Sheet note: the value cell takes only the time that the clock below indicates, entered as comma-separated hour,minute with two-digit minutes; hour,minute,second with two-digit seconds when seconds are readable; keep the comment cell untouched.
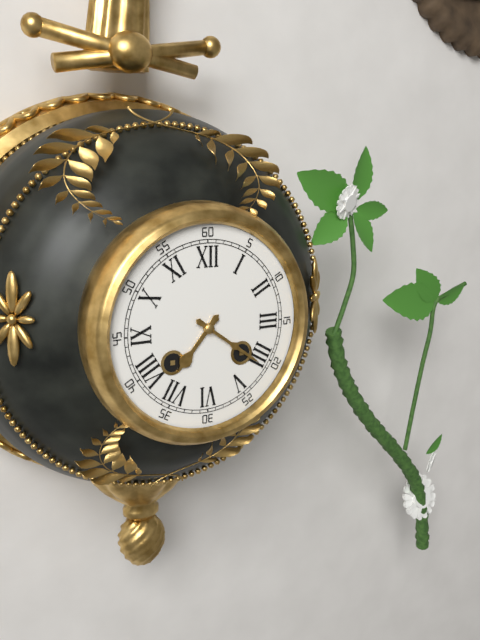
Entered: 7,21
